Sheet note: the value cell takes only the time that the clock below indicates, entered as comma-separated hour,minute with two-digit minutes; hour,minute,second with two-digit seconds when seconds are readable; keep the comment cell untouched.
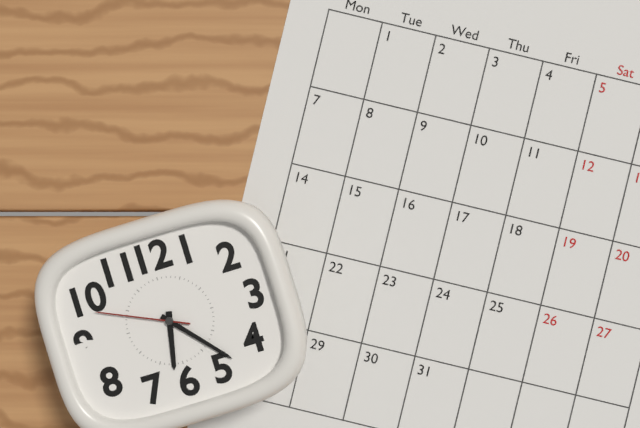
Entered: 6,23,49
